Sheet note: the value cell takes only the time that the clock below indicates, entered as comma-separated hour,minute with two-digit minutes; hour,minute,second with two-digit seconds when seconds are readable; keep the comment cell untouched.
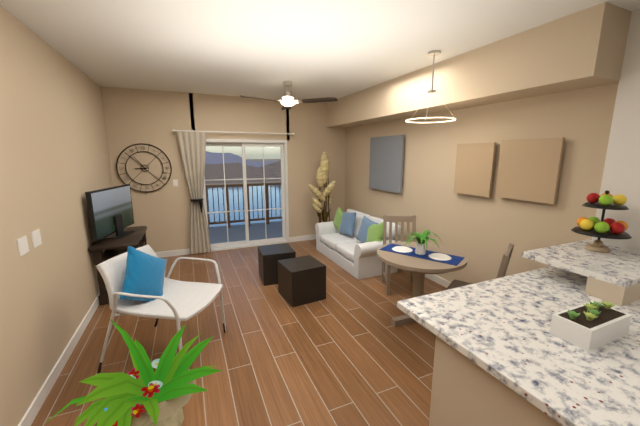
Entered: 8,54
